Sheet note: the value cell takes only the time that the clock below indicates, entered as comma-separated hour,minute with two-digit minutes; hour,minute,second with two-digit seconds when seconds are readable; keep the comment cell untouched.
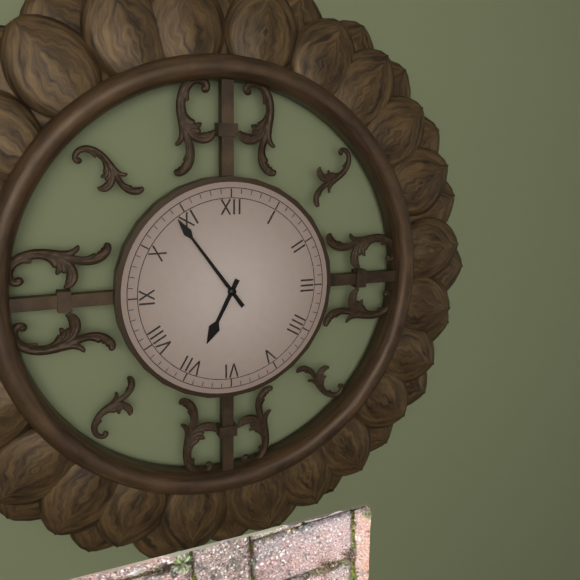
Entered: 6,54
